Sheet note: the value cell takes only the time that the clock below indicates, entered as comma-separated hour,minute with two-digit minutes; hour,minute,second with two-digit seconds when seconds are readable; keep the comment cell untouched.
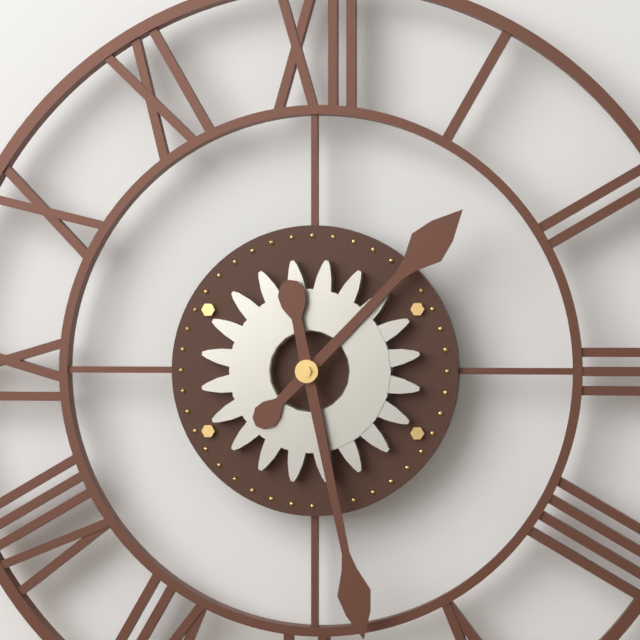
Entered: 1,28
